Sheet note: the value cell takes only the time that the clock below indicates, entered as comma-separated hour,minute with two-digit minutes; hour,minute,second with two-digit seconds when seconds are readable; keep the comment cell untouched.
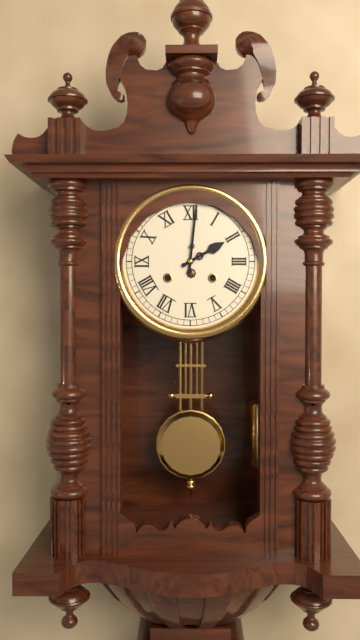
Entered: 2,01
